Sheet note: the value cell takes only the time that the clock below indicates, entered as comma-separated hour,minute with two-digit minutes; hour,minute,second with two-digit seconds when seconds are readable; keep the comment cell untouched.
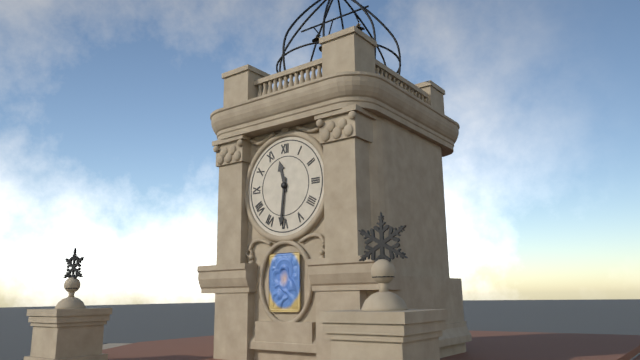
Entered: 11,31
